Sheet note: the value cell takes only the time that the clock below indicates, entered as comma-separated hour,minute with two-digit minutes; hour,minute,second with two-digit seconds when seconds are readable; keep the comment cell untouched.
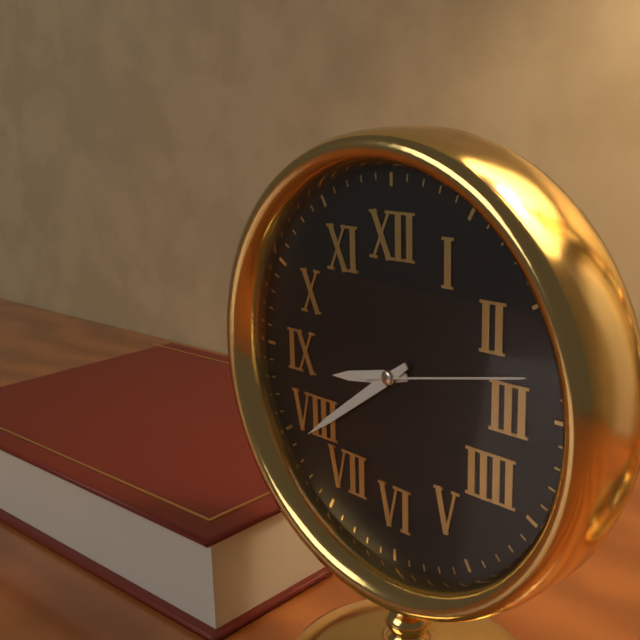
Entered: 8,39,13
